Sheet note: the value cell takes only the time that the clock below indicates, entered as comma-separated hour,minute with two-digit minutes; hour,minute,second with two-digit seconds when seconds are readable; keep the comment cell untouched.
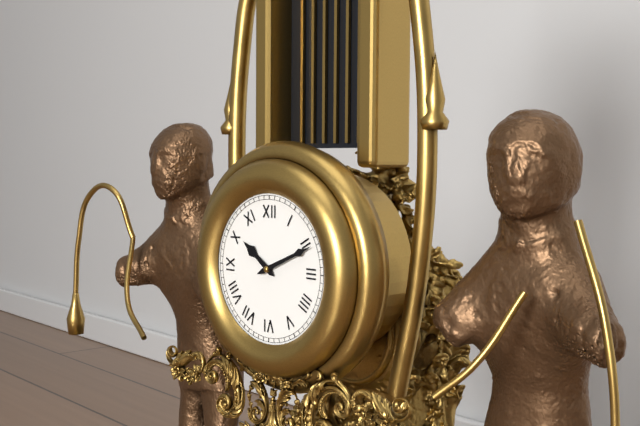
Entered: 10,11
